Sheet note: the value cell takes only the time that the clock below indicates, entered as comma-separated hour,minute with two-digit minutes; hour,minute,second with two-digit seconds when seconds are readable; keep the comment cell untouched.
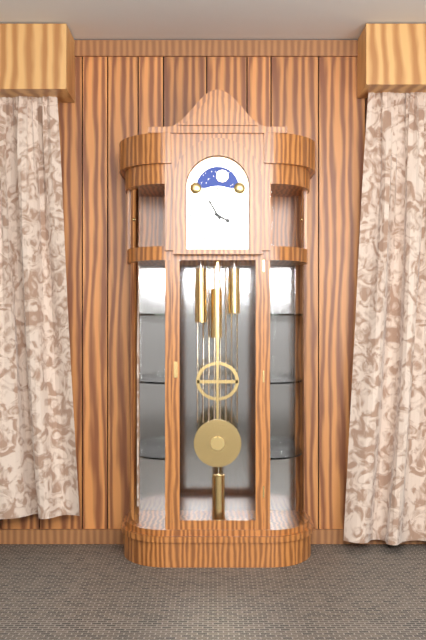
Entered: 3,55
